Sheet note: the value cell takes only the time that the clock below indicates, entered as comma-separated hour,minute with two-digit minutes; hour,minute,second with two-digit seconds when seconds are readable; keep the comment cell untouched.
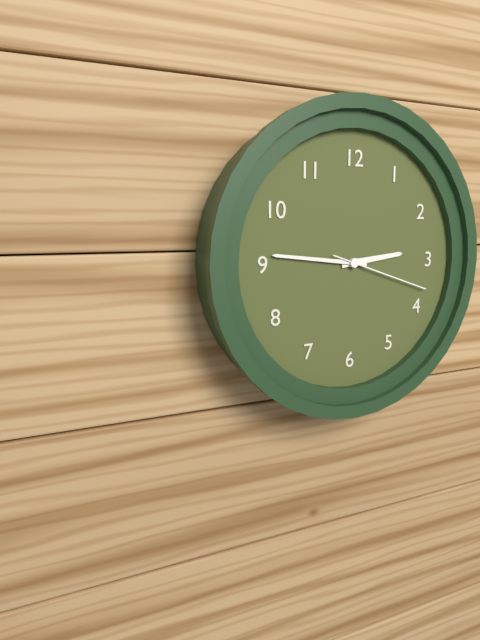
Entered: 2,46,18
